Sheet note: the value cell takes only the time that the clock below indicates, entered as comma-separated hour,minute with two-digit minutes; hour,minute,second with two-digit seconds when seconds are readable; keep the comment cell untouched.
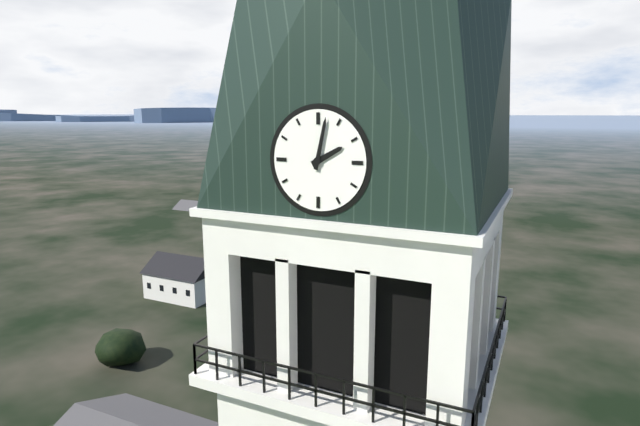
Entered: 2,02
